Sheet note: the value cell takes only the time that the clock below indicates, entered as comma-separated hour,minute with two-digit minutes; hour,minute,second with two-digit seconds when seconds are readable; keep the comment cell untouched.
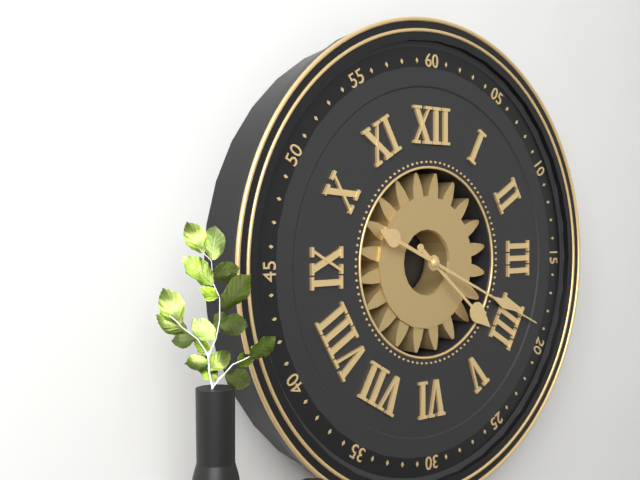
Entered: 4,19
